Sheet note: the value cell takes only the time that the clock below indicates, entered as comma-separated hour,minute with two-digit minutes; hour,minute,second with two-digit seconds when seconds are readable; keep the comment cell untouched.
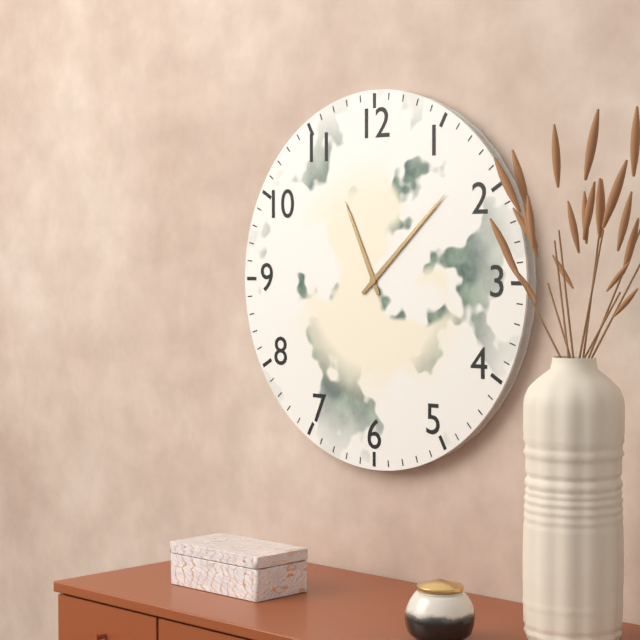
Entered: 11,08
